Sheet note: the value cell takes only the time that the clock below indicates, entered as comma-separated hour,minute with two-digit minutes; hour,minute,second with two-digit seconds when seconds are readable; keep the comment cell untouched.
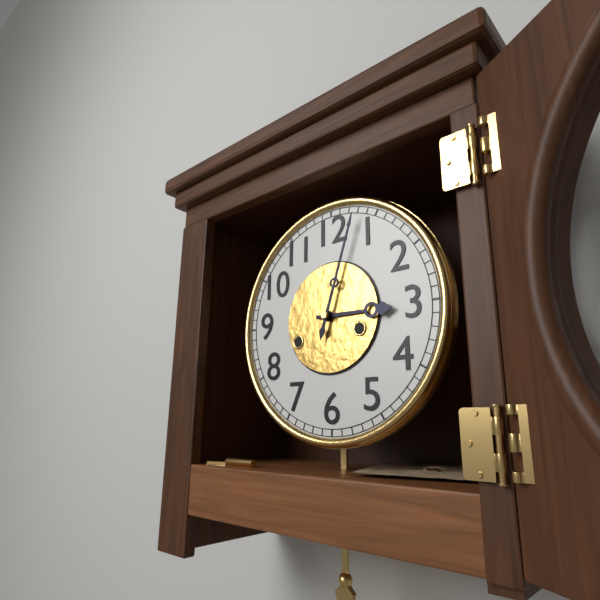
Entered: 3,03
